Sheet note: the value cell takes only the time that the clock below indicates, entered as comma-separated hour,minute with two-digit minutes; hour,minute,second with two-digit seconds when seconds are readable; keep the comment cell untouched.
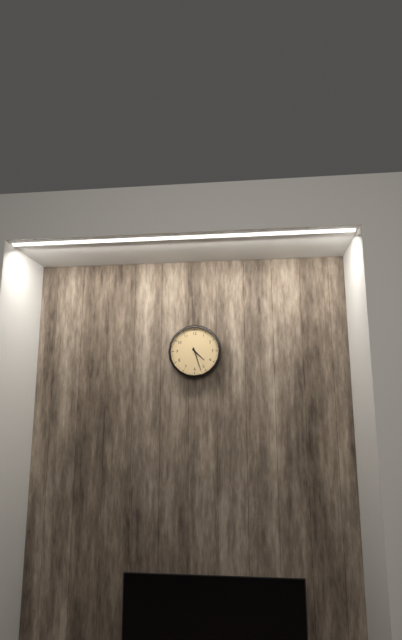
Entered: 4,27
